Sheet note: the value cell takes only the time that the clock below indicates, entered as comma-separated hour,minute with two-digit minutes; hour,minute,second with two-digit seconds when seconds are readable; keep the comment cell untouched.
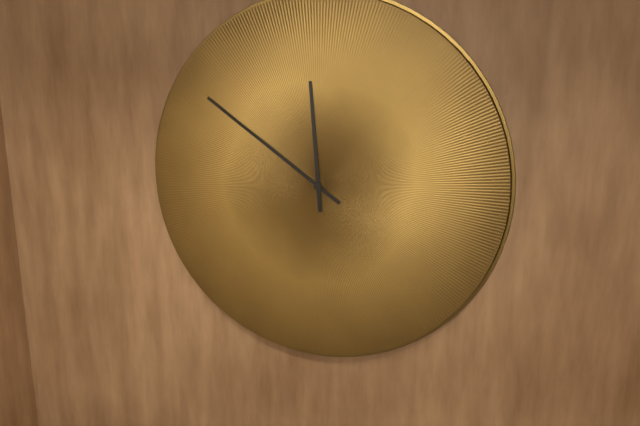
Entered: 11,51
